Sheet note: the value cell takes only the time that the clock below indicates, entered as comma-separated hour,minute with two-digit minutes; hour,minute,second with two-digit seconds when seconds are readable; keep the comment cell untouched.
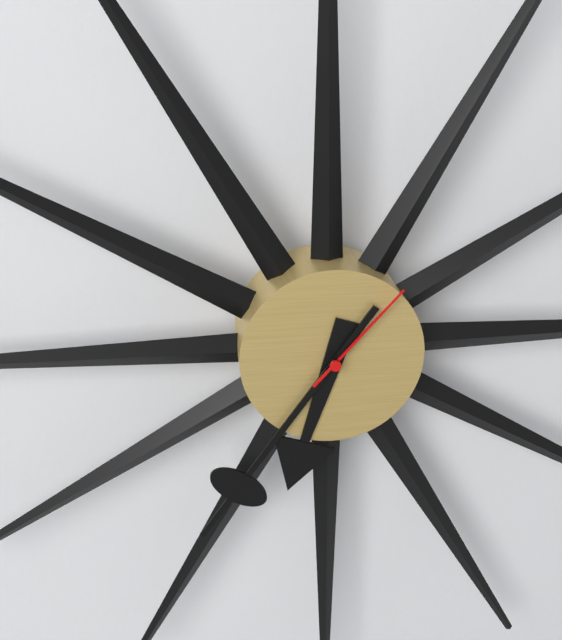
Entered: 6,36,07
